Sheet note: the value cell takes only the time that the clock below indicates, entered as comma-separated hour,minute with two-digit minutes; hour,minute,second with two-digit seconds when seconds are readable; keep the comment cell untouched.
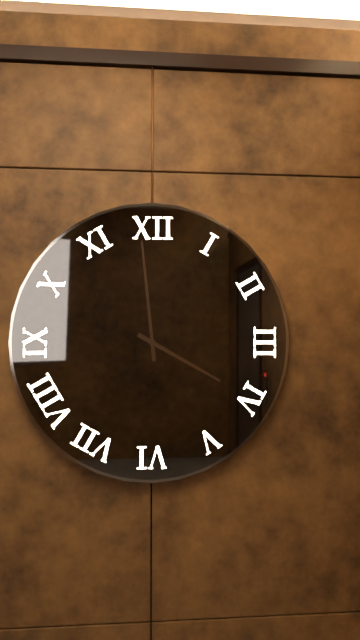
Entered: 3,59
